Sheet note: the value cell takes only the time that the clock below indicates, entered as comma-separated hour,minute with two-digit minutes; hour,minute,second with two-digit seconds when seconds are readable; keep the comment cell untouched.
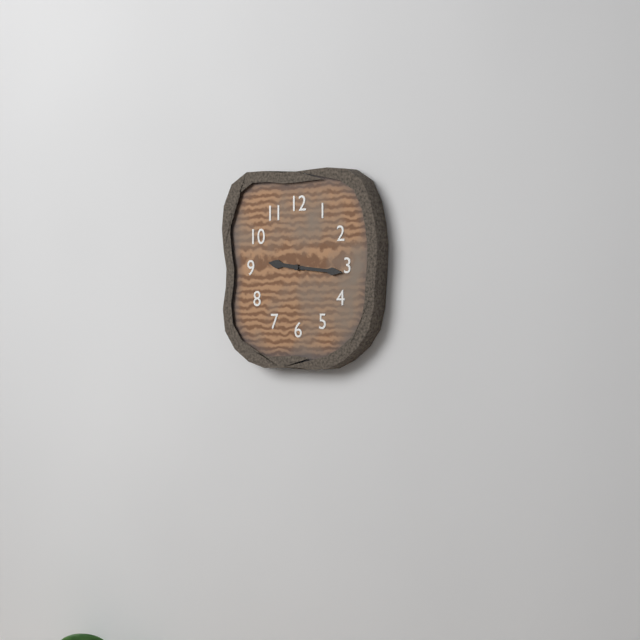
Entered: 9,16
